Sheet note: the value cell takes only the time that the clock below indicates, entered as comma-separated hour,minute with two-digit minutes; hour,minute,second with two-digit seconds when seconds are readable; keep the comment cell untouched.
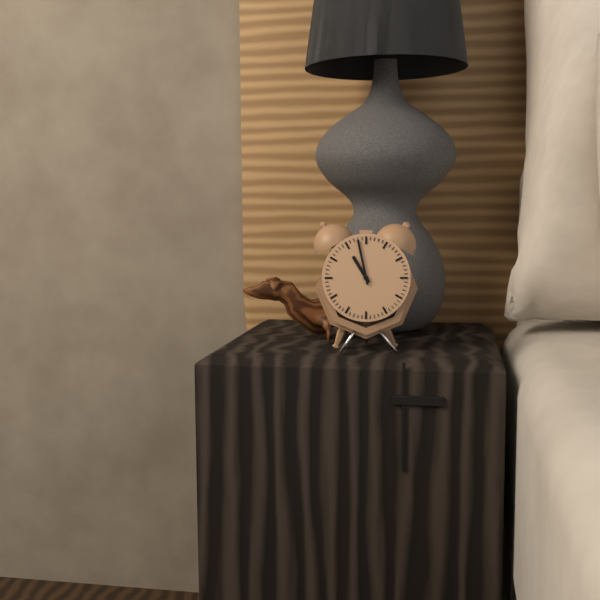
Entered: 10,58
